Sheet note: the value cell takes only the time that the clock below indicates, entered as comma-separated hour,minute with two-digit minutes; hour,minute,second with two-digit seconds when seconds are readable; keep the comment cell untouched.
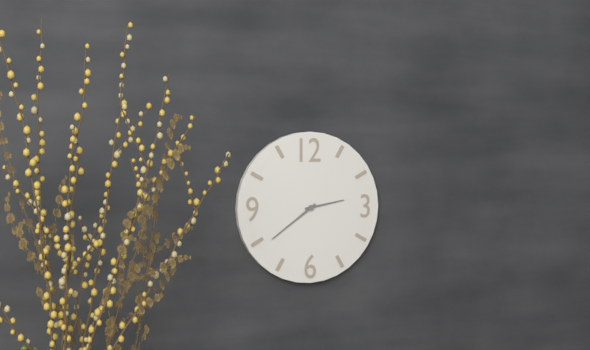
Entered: 2,39
